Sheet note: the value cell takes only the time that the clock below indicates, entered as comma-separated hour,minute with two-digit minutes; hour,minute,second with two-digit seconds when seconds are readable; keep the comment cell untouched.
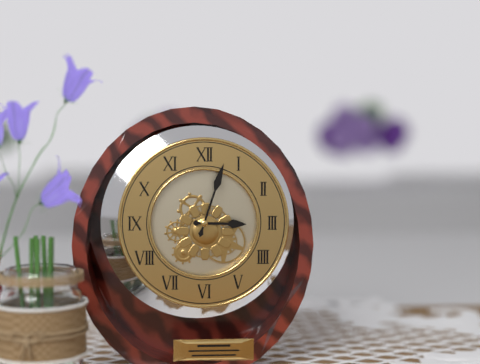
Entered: 3,03
